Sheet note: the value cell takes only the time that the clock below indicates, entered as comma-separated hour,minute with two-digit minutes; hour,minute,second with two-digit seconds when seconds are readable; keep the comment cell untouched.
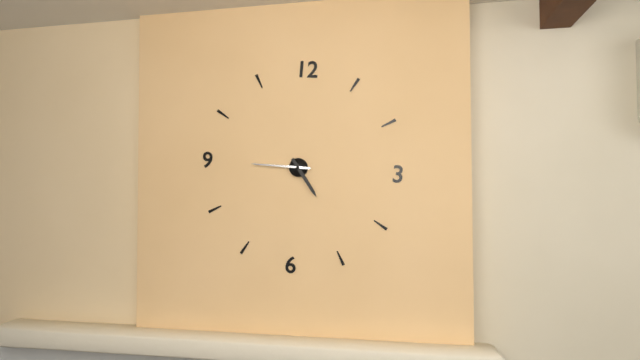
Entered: 4,45
